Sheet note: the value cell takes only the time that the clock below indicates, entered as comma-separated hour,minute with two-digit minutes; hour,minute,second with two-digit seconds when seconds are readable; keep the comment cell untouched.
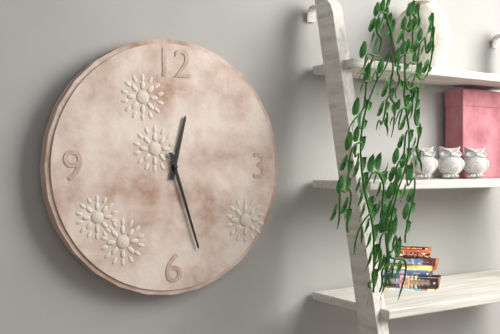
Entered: 12,27
